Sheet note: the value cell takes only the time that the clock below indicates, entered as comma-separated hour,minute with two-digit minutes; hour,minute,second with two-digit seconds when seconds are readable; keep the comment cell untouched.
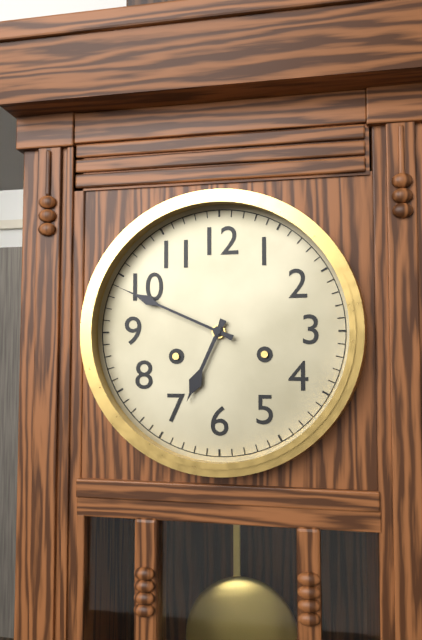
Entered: 6,49
